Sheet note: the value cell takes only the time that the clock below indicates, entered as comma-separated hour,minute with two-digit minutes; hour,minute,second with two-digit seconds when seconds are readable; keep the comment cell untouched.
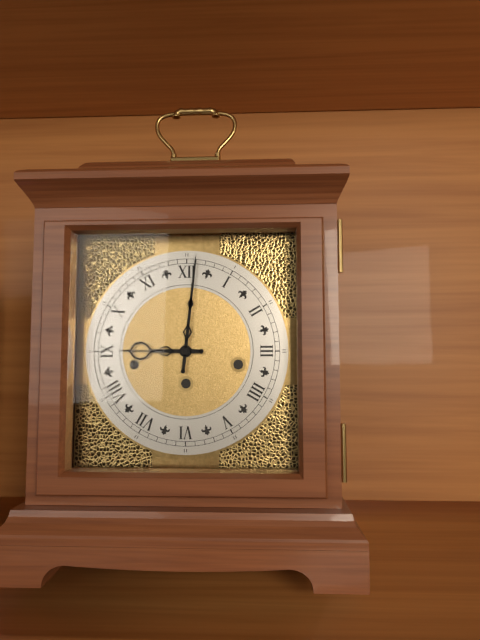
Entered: 9,01
